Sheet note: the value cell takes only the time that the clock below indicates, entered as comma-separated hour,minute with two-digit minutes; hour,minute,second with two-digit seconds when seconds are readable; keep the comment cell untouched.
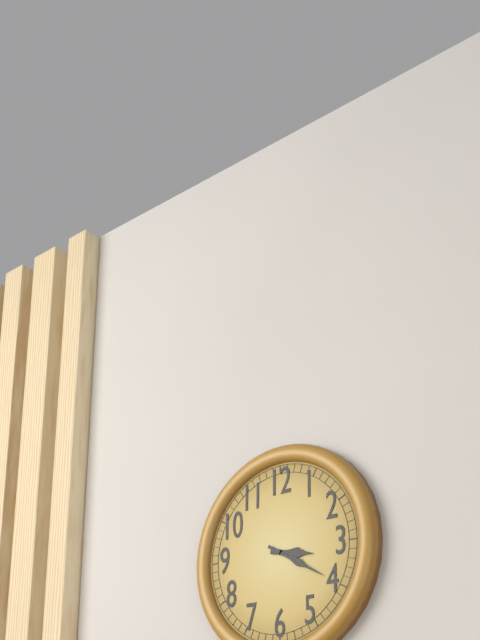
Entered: 3,20
